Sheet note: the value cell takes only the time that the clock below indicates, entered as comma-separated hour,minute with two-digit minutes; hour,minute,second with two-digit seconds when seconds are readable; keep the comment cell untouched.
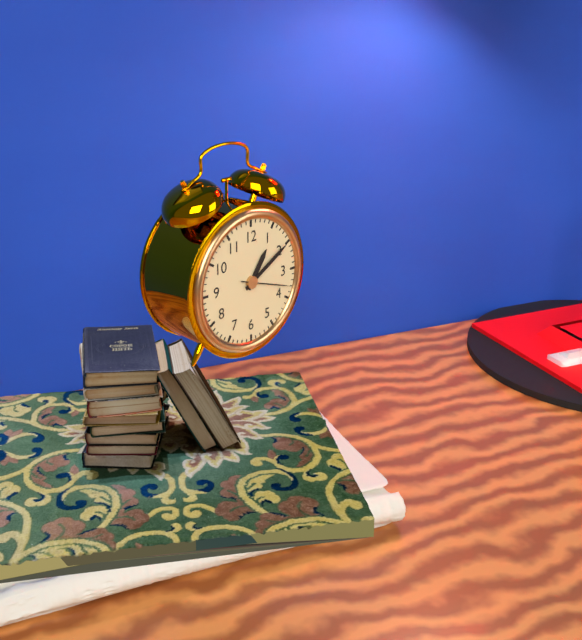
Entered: 1,10
